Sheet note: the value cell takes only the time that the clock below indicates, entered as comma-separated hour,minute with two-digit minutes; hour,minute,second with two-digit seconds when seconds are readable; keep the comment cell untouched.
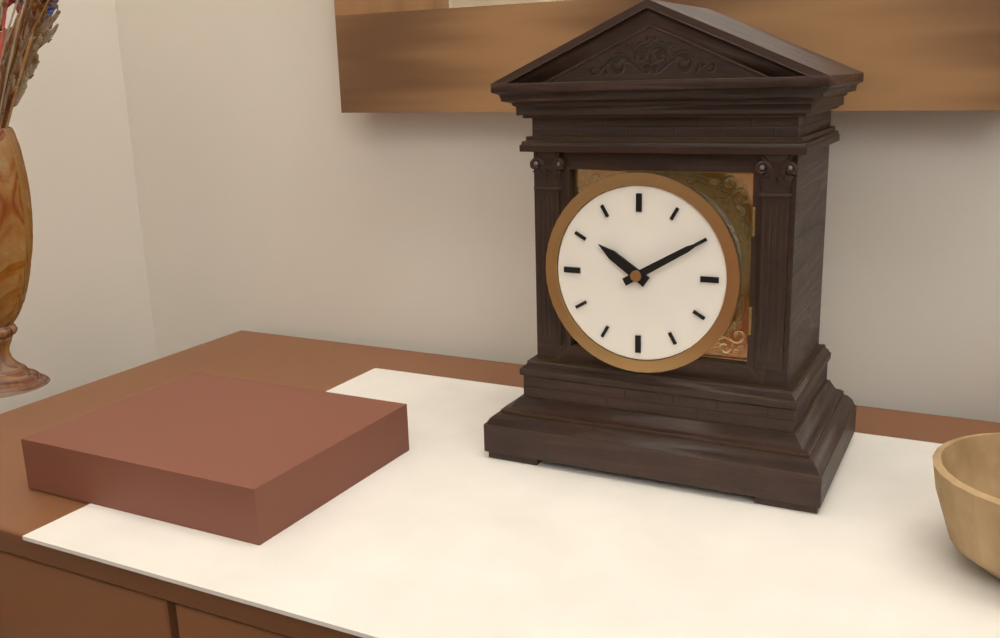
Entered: 10,10
